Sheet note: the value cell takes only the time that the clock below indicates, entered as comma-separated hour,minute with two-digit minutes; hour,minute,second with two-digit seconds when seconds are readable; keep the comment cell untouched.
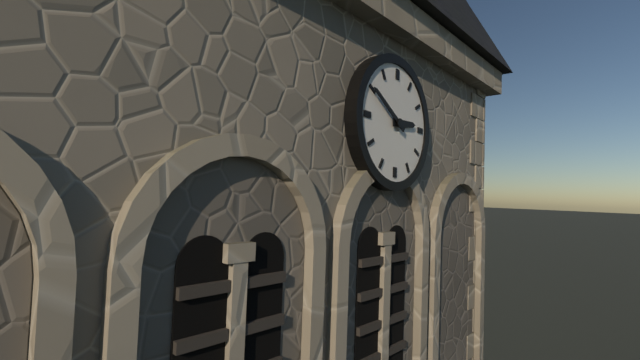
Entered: 2,50
